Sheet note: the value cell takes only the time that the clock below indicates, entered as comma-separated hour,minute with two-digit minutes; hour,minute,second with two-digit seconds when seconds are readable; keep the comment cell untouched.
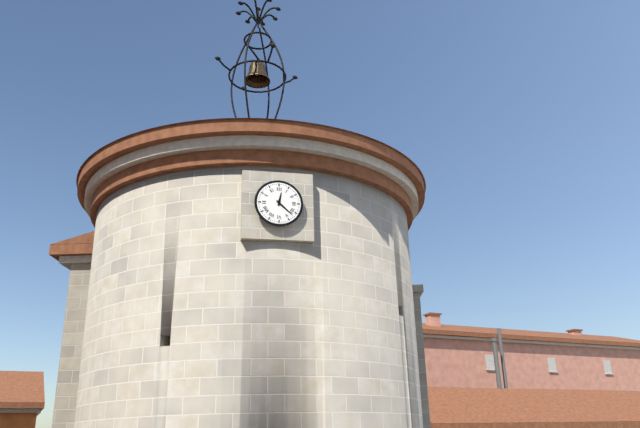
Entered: 12,22
